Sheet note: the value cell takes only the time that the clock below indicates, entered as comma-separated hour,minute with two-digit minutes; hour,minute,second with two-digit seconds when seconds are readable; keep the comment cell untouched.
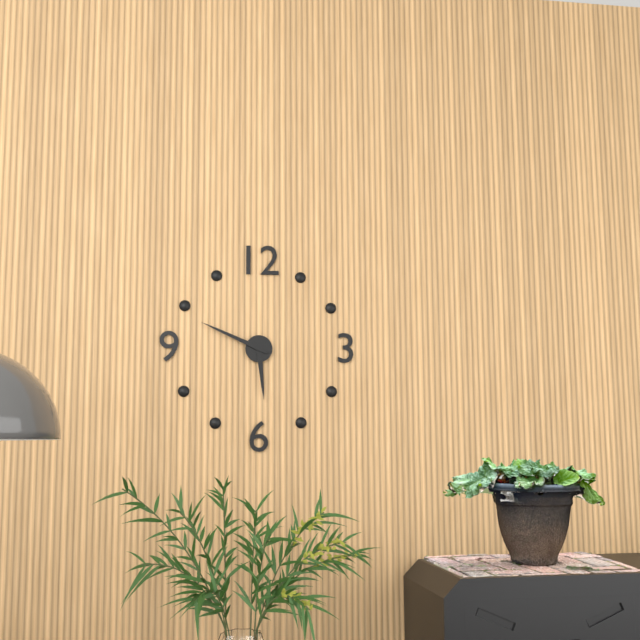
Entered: 5,49
